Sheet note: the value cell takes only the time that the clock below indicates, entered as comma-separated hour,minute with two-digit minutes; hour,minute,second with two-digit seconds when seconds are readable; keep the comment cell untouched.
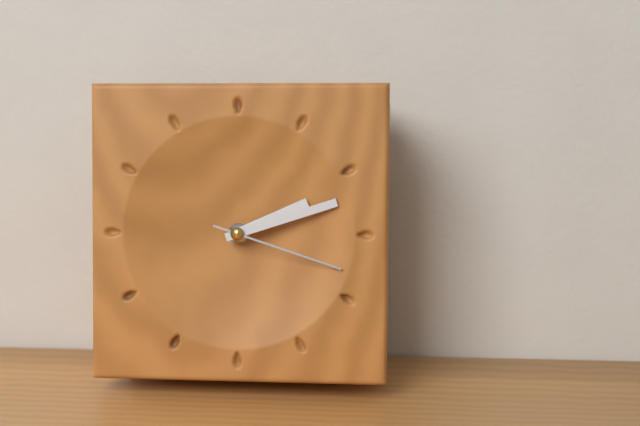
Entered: 2,12,18
